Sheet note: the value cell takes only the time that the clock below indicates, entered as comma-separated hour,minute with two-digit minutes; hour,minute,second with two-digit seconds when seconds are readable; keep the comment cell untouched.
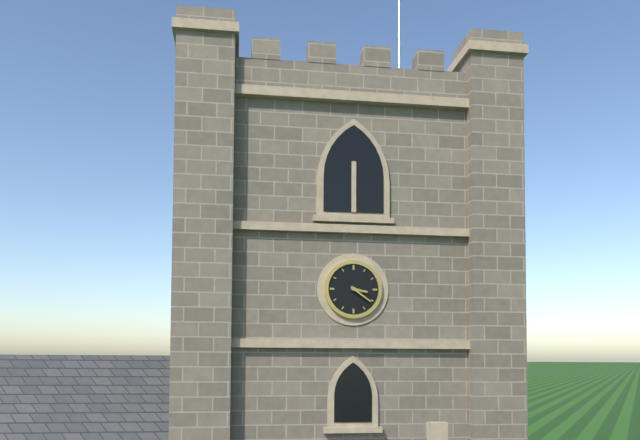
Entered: 3,21
